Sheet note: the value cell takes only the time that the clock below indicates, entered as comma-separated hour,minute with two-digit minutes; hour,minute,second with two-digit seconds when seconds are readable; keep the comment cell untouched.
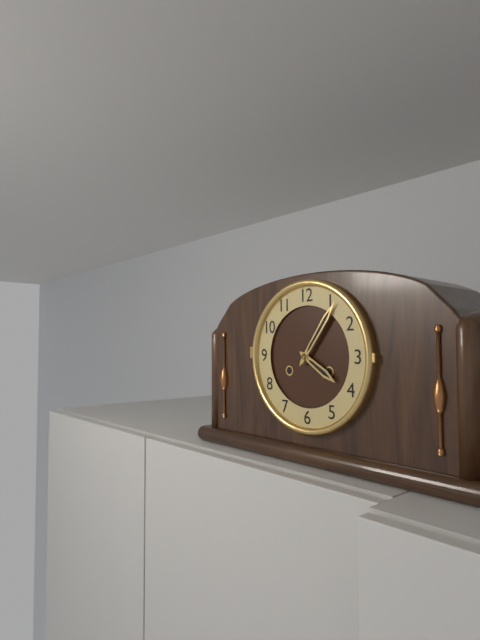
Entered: 4,06
